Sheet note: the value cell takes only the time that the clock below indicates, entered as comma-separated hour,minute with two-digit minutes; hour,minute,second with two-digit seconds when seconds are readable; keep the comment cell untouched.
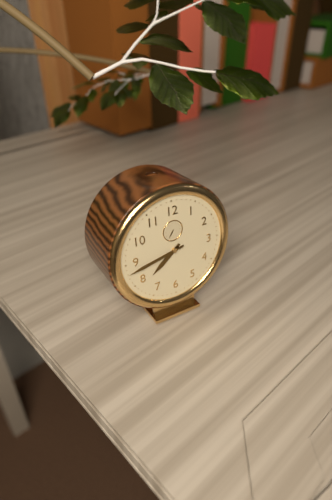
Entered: 7,43
